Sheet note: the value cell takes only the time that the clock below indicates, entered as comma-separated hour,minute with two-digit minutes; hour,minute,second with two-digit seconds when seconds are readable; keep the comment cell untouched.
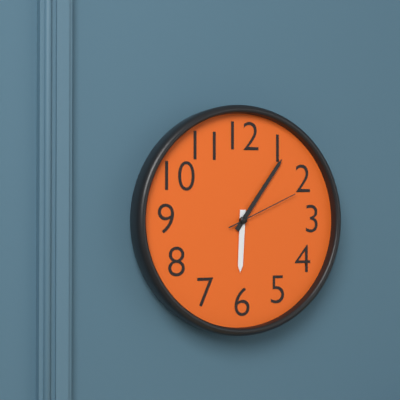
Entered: 6,06,11
